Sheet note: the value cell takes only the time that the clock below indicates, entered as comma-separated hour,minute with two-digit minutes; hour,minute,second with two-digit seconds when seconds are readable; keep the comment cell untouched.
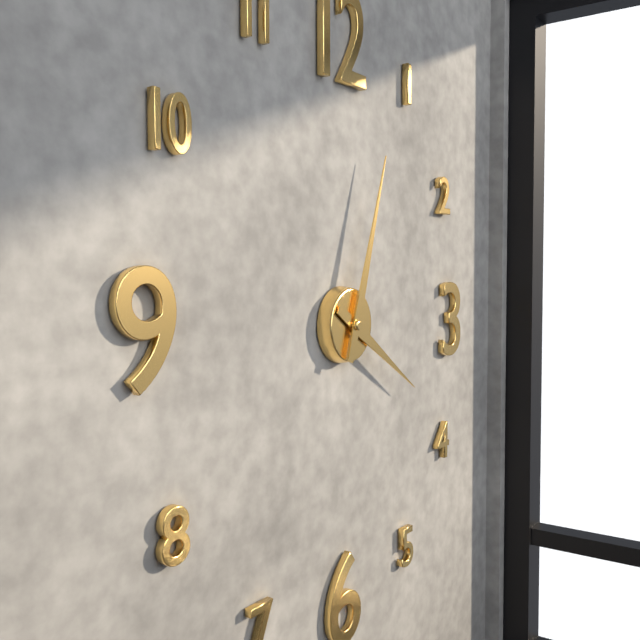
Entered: 4,03
